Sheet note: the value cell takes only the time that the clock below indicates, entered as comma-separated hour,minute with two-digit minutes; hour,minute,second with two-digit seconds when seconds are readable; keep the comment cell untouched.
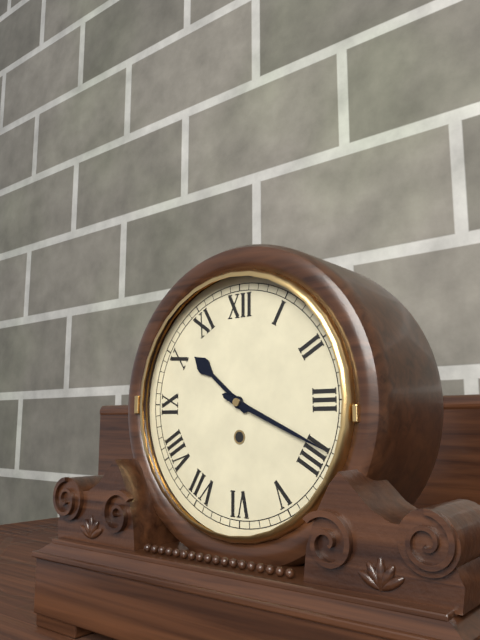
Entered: 10,19
